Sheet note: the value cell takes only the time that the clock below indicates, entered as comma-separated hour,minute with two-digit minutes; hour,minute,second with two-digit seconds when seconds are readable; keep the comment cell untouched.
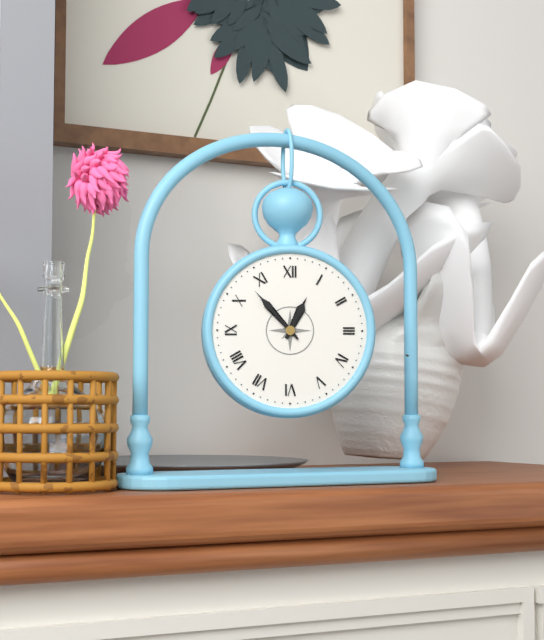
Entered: 12,53
